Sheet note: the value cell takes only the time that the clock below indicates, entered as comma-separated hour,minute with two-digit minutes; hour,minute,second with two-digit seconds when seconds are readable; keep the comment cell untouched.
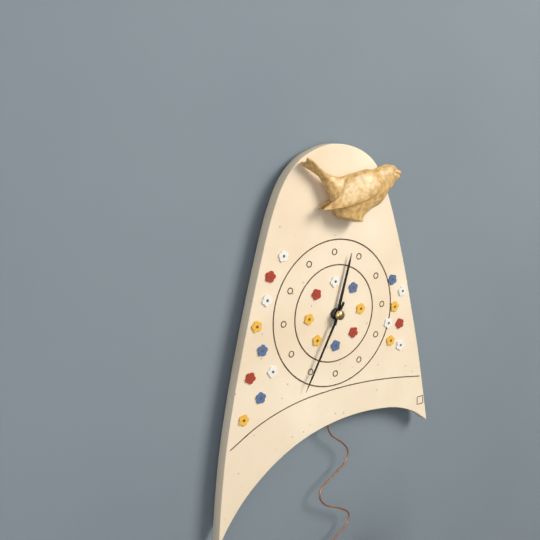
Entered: 12,35
